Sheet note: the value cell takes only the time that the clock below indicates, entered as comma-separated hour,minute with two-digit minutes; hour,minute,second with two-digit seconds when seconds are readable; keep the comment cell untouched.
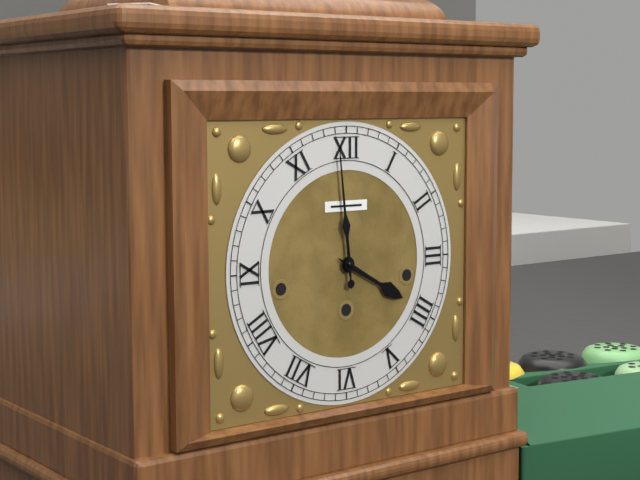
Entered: 3,59
